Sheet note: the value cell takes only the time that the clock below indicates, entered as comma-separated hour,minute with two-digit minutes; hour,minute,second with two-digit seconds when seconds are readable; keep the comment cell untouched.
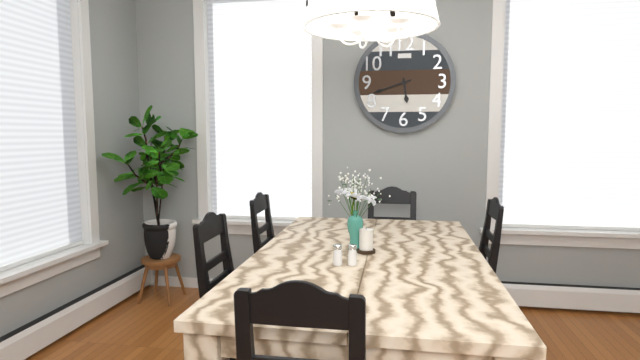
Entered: 5,42
